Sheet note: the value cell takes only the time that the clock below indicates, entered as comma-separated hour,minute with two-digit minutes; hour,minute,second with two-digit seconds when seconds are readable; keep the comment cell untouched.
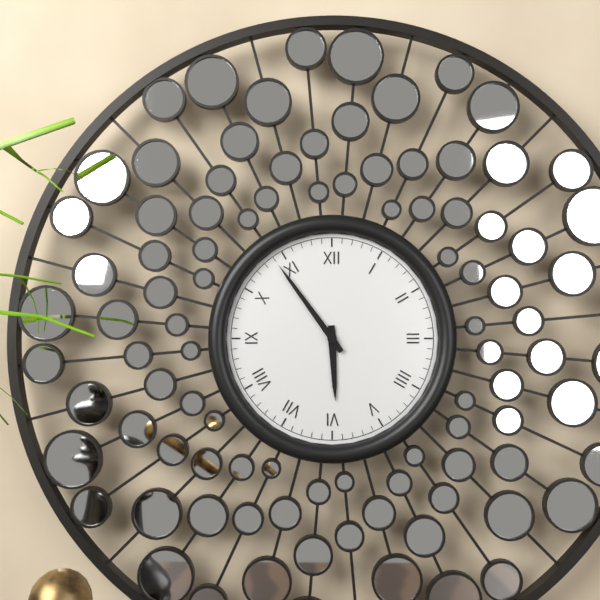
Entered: 5,54
